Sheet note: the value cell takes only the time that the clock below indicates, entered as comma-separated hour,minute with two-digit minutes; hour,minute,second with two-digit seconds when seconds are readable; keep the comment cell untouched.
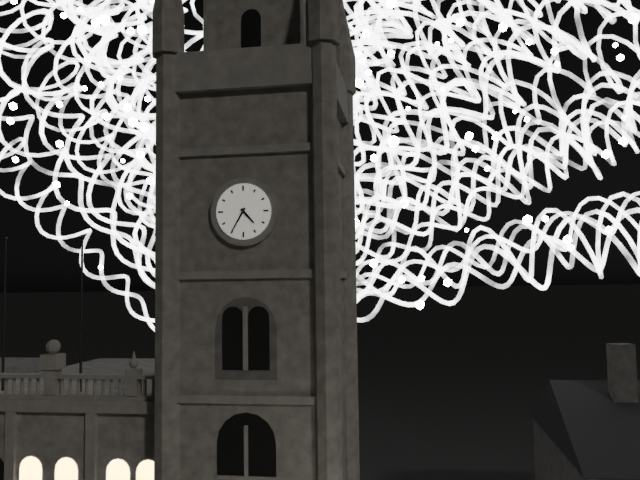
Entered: 4,35
